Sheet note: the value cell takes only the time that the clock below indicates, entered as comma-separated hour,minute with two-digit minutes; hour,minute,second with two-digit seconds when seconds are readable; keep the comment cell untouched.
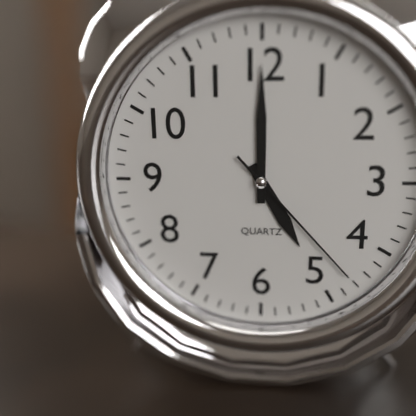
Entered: 5,00,23
